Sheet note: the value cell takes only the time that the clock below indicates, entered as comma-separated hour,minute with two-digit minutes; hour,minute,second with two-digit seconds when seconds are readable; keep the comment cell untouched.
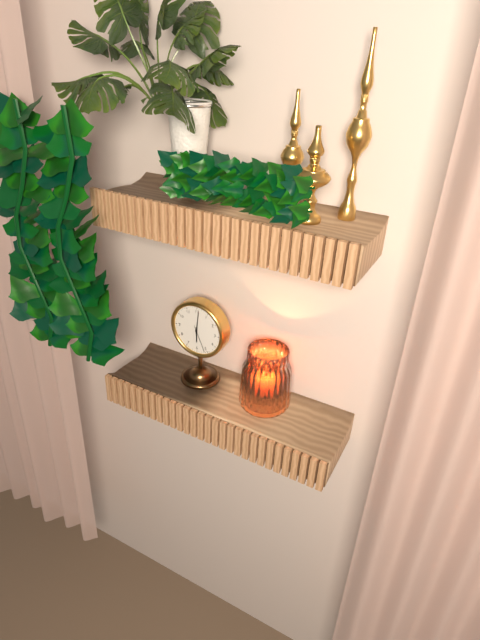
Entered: 6,01
